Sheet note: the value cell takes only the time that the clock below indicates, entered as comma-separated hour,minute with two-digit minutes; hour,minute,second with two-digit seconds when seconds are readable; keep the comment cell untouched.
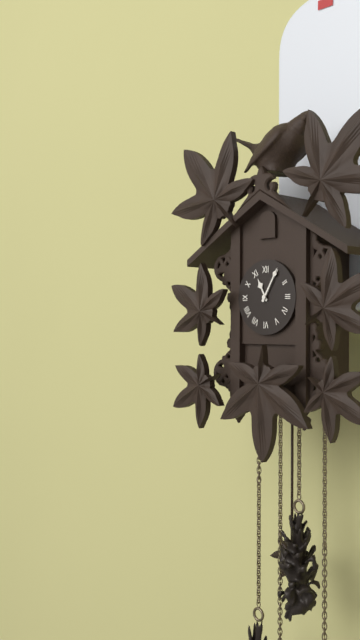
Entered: 11,05
